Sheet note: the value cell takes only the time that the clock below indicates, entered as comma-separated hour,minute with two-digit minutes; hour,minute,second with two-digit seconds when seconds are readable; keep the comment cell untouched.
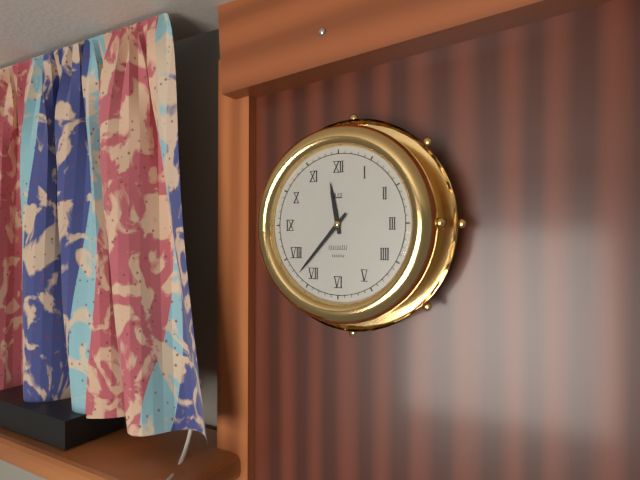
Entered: 11,37
